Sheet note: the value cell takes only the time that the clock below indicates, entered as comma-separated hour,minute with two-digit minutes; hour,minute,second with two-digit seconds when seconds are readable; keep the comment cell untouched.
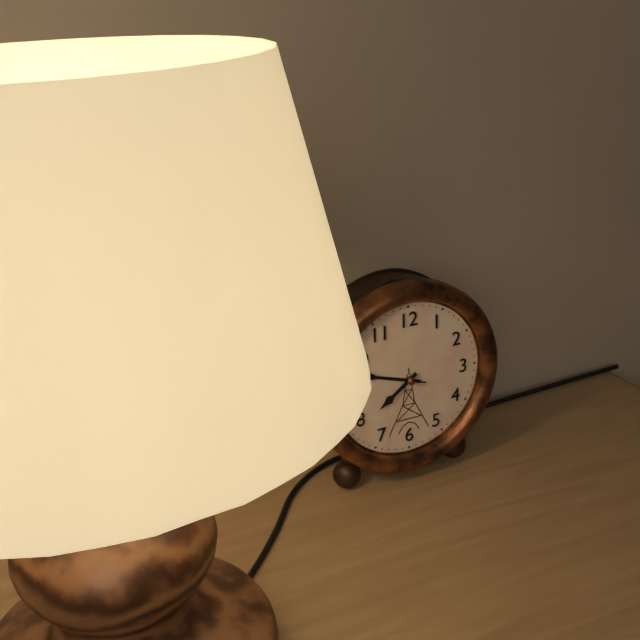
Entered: 7,48
